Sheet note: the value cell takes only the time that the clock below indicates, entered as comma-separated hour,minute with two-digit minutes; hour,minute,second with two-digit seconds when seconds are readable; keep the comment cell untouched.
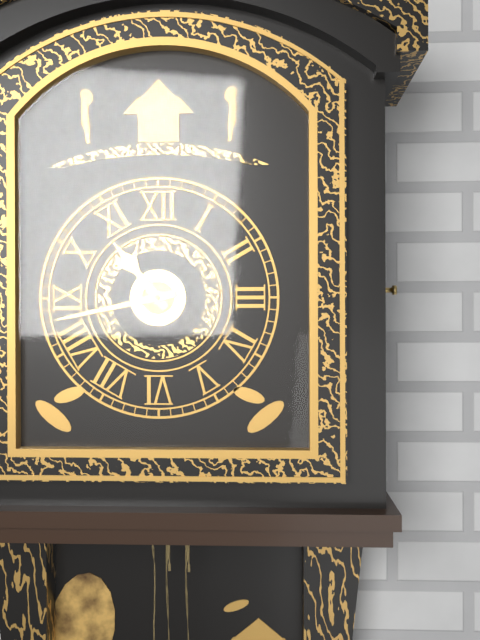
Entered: 10,43
